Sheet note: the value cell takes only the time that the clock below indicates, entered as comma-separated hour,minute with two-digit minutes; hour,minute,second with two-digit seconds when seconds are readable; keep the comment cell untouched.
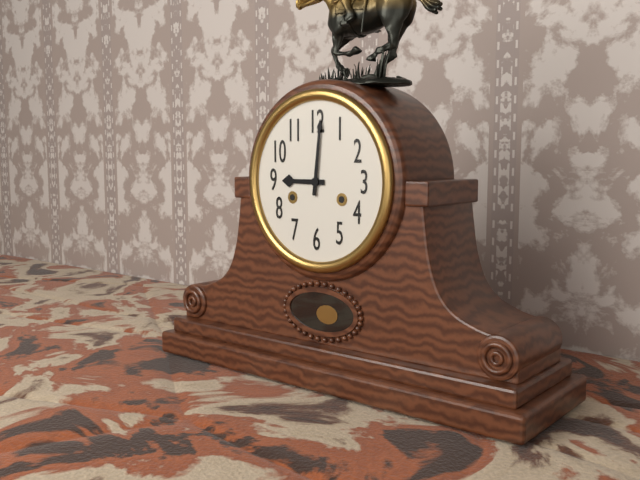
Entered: 9,01
